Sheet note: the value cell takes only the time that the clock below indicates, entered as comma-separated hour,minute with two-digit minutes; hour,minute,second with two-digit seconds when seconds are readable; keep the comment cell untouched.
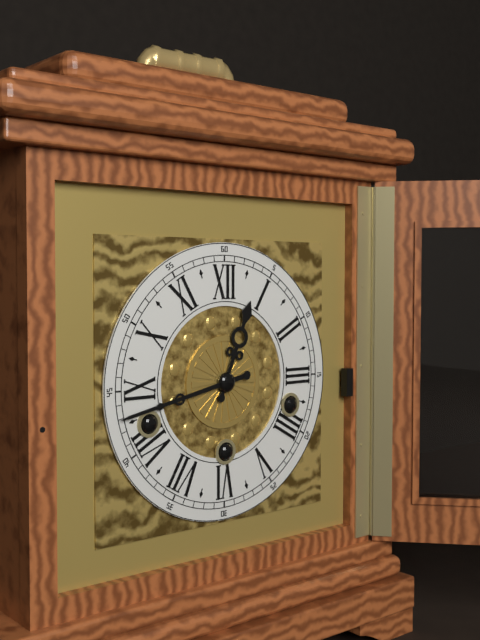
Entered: 12,43
